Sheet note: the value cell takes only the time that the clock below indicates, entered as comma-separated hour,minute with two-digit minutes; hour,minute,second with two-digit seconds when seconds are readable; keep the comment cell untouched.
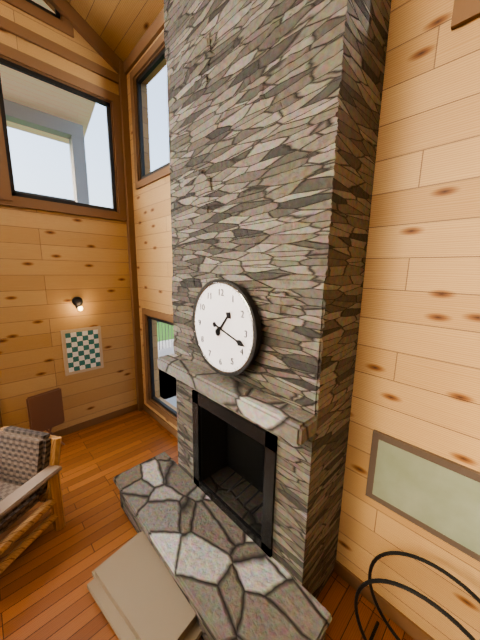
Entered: 1,18
